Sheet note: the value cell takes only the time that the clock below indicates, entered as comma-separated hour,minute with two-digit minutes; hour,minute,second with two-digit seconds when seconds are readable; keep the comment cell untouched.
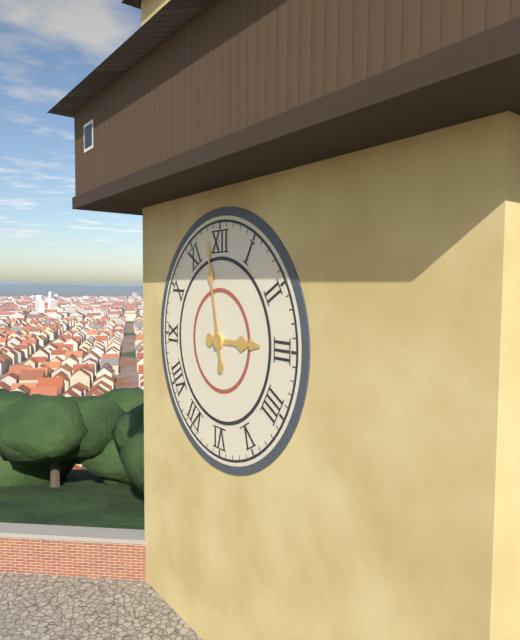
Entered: 2,58
